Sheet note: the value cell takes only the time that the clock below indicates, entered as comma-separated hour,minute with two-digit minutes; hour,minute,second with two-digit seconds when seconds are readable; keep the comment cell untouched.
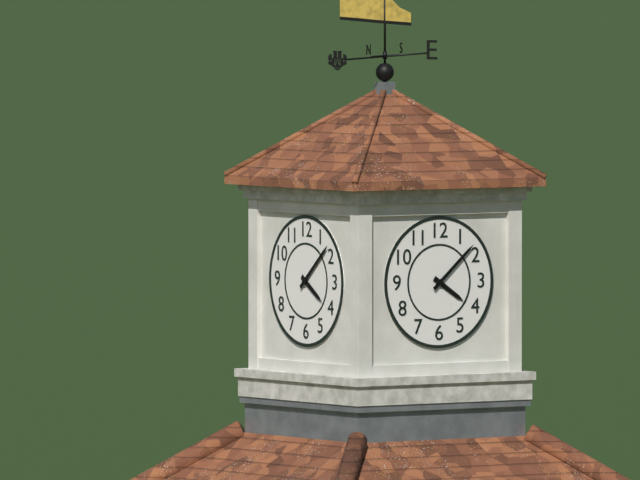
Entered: 4,08
